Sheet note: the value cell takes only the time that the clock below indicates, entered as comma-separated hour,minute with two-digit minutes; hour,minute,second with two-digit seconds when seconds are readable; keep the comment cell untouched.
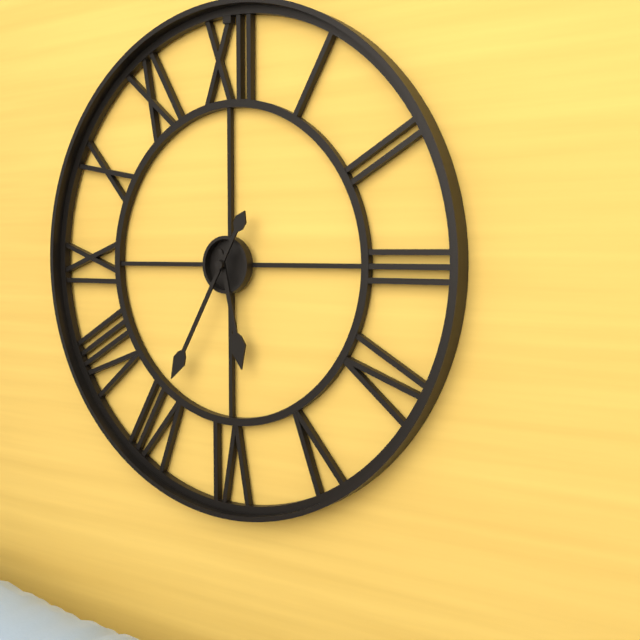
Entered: 5,35
